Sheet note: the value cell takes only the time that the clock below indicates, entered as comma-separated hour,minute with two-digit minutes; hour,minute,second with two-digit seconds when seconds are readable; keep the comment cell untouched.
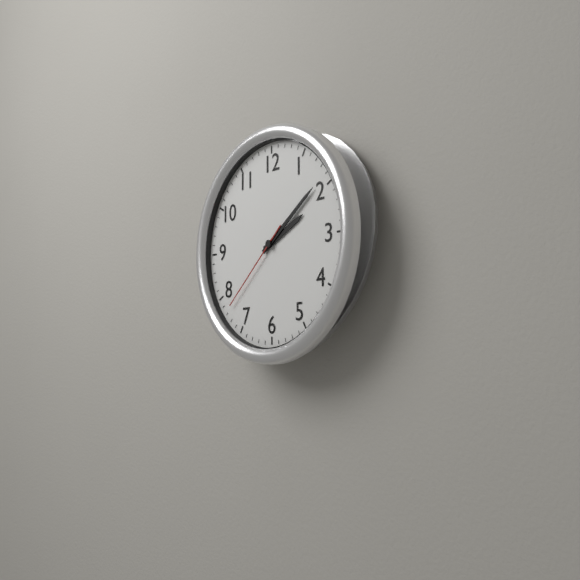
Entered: 2,09,38
